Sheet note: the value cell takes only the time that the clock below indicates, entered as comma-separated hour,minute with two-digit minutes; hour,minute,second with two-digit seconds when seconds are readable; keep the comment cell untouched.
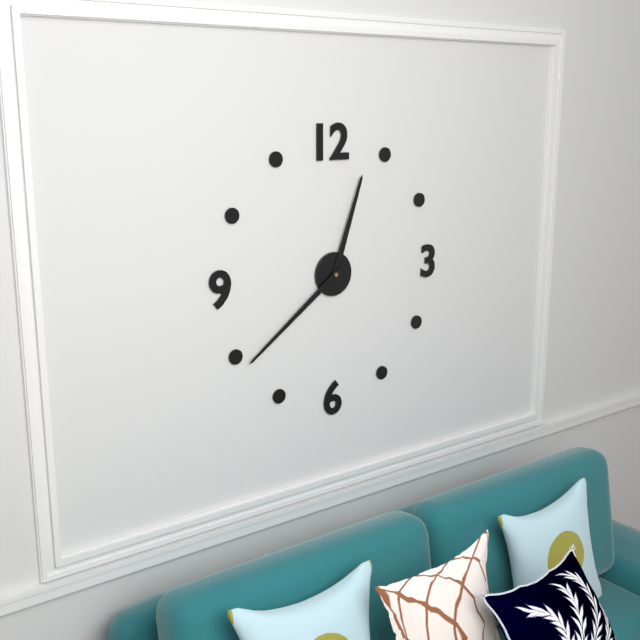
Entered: 12,39
